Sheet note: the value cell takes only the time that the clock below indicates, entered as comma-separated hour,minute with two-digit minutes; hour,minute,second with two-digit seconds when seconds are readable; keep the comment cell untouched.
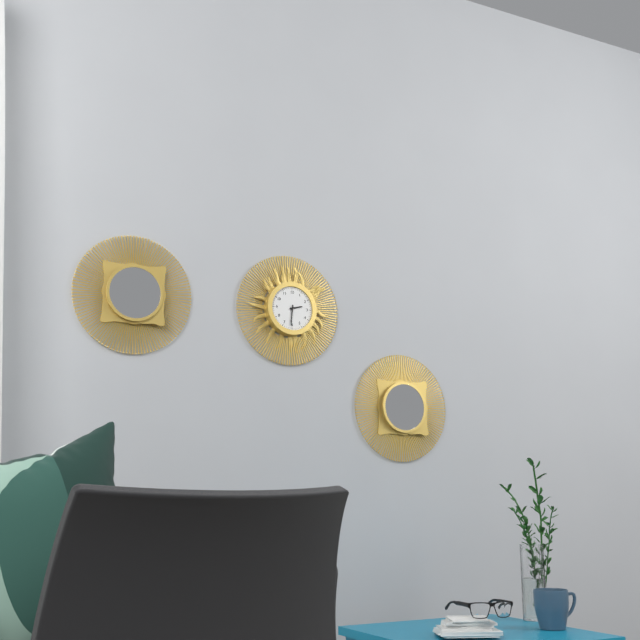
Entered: 2,31
